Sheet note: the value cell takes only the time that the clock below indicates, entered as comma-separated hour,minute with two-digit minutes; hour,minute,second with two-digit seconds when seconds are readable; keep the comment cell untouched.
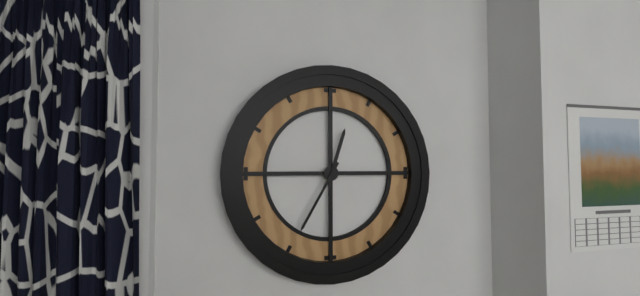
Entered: 12,35
